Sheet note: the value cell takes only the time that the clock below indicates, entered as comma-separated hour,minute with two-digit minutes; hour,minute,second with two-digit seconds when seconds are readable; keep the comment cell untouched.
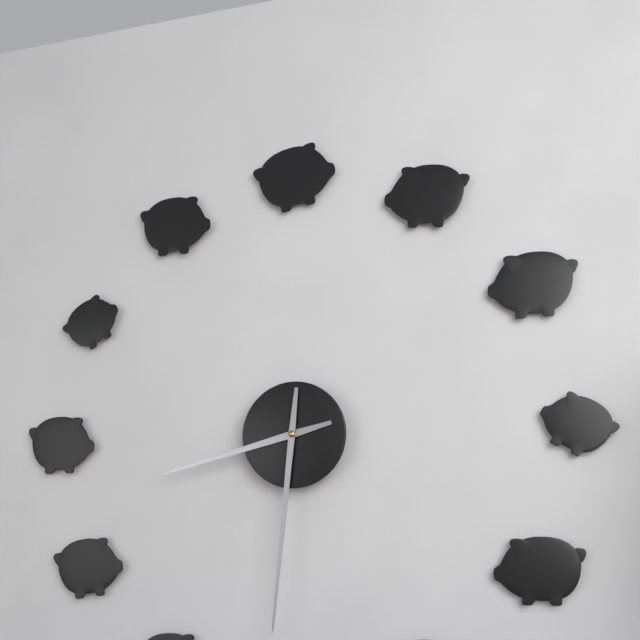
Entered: 8,31
